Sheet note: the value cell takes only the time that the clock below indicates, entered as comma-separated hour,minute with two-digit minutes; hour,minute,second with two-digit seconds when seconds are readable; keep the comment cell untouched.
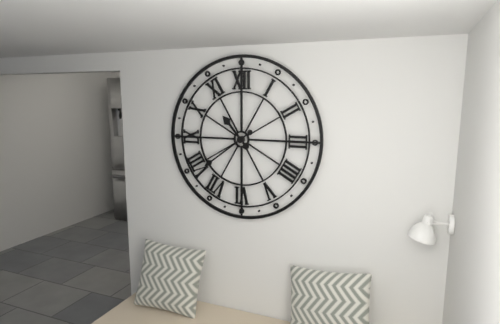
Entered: 10,39
